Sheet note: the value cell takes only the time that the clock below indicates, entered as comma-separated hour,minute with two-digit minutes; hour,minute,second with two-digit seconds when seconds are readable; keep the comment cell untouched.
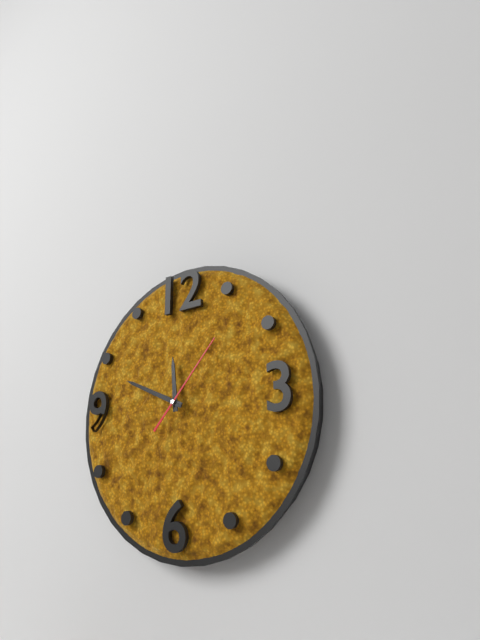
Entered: 11,49,07
